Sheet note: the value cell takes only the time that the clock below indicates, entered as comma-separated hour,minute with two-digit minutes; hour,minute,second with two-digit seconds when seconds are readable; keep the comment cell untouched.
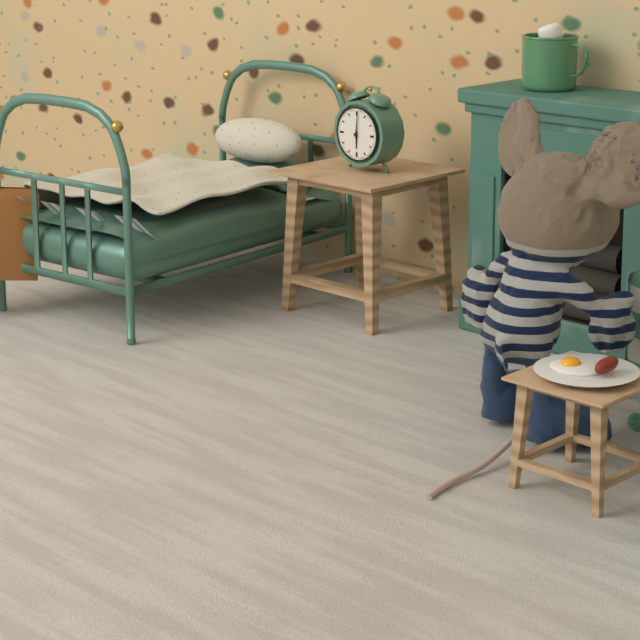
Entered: 6,01
